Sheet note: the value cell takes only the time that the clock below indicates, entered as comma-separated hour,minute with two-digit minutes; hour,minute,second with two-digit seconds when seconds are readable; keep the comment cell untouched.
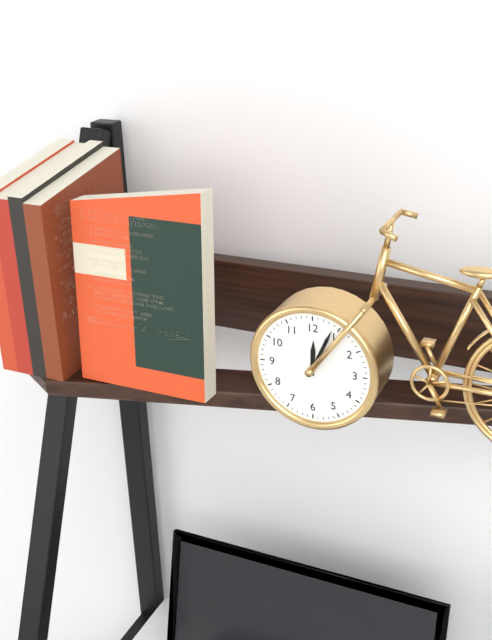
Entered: 12,04
